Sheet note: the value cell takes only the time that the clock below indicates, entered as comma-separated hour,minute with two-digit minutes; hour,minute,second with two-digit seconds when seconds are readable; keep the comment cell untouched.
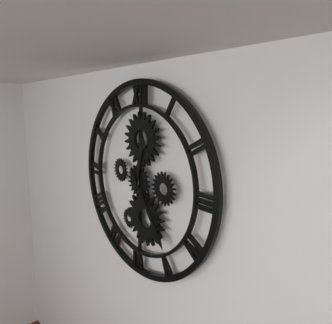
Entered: 12,24
